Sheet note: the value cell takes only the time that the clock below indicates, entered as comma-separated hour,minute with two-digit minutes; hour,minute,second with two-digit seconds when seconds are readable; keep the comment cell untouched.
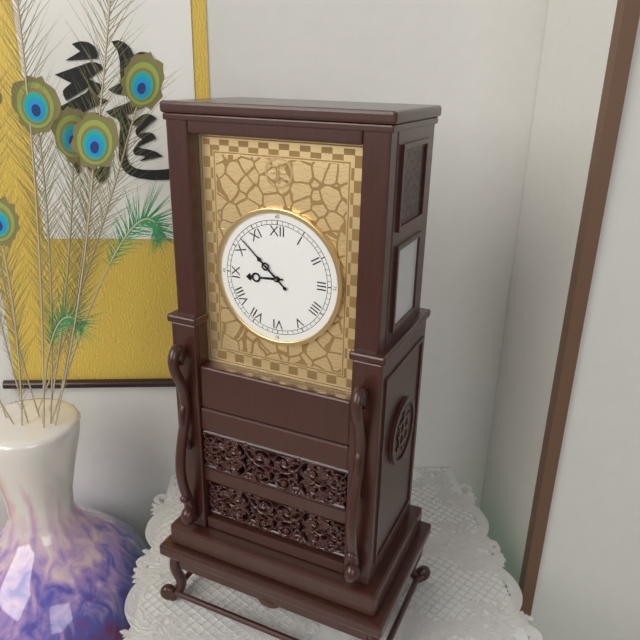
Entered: 8,52
